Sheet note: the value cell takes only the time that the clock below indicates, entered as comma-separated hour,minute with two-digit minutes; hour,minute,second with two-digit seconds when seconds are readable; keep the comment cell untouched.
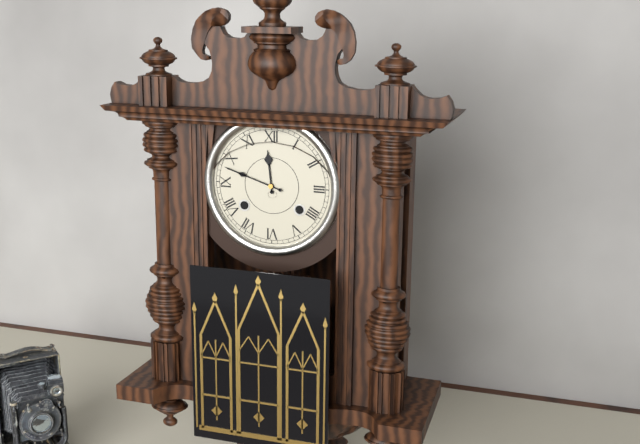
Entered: 11,48
